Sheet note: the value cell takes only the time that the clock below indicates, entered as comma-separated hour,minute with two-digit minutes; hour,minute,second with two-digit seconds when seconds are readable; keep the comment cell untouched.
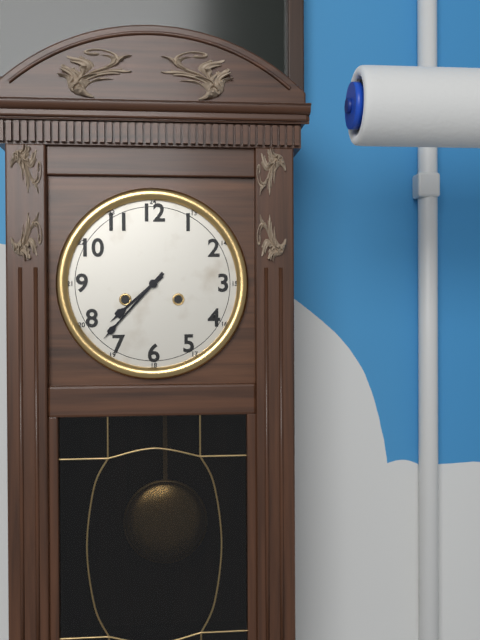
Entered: 7,37
